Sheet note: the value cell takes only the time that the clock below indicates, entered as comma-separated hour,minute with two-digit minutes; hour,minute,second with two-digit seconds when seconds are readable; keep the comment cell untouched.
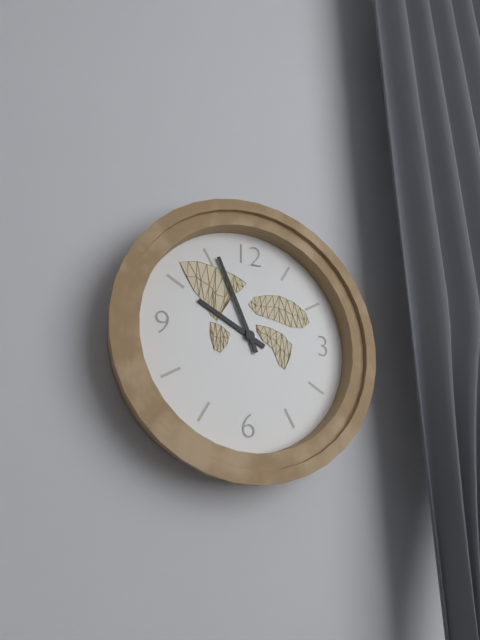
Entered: 9,56
